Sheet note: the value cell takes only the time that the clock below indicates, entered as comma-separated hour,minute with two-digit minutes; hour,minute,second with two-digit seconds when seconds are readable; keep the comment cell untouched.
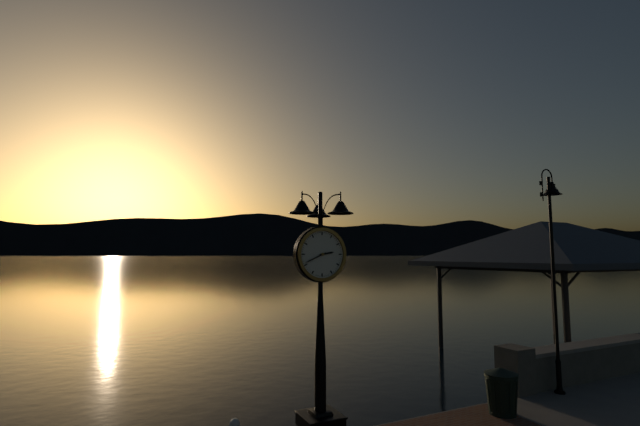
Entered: 2,41
